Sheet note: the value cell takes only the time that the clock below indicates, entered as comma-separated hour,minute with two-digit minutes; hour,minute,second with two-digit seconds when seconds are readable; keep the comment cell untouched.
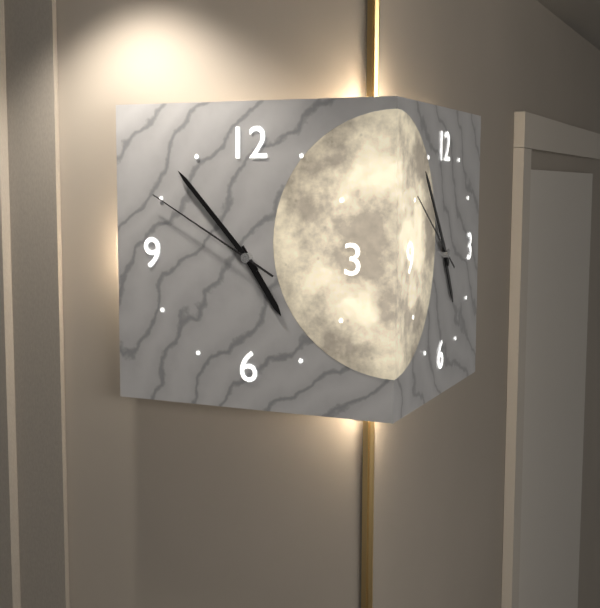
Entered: 4,53,50
